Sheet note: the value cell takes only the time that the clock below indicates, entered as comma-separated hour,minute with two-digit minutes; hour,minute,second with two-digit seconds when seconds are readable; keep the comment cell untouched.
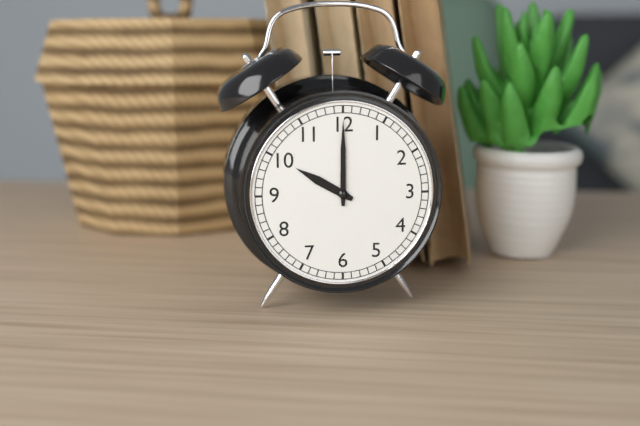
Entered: 10,00
